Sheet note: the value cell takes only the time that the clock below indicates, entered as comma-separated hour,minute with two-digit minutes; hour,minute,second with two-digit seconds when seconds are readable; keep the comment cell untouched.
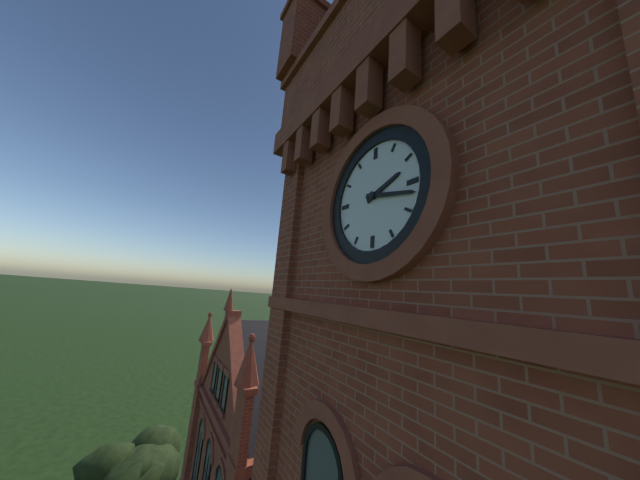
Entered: 2,17
